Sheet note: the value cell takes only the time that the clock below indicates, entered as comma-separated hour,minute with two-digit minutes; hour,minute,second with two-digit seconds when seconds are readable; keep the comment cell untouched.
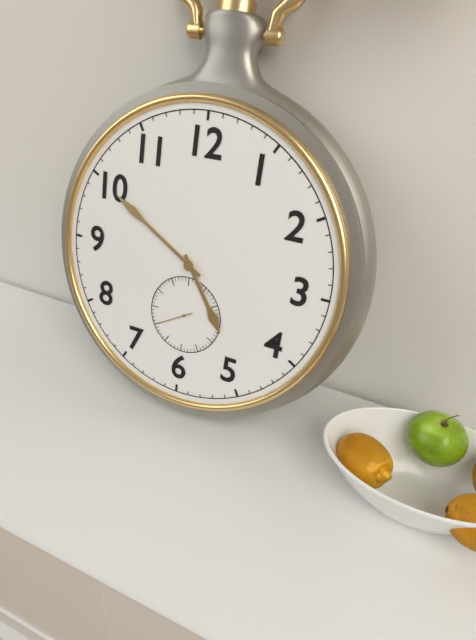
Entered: 4,50
